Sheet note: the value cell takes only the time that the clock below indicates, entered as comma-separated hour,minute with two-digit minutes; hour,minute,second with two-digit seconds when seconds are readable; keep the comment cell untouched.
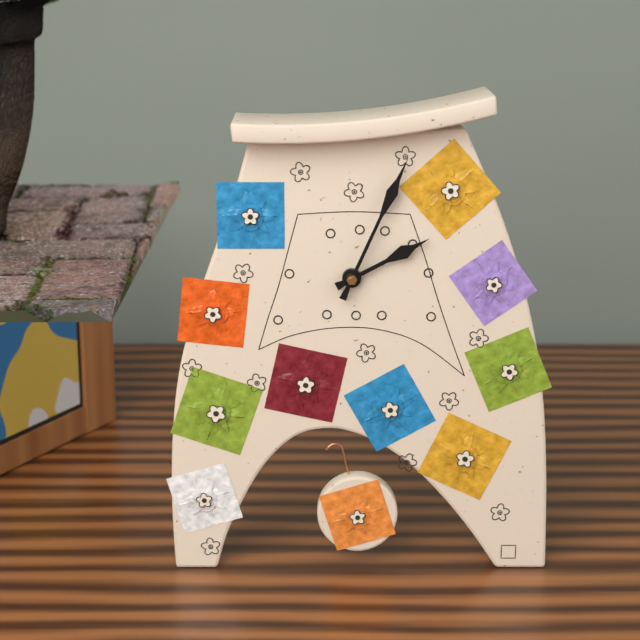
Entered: 2,04
